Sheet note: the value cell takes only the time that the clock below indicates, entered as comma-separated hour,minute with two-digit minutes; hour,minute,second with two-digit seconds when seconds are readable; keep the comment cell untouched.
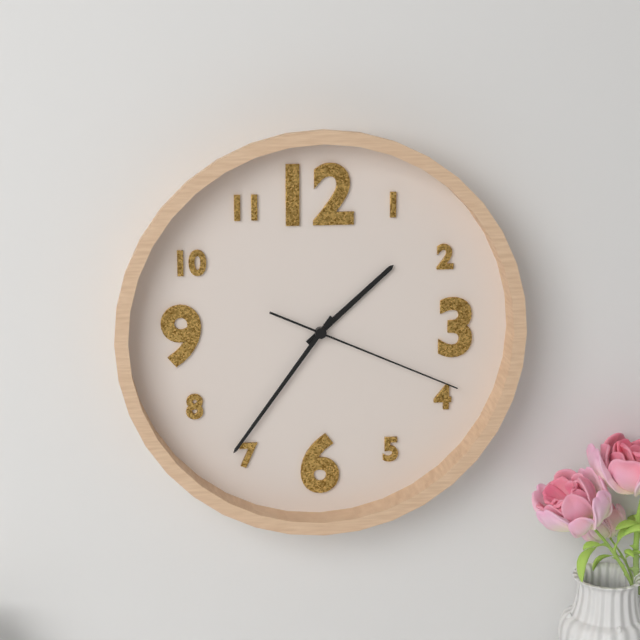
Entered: 1,36,19
